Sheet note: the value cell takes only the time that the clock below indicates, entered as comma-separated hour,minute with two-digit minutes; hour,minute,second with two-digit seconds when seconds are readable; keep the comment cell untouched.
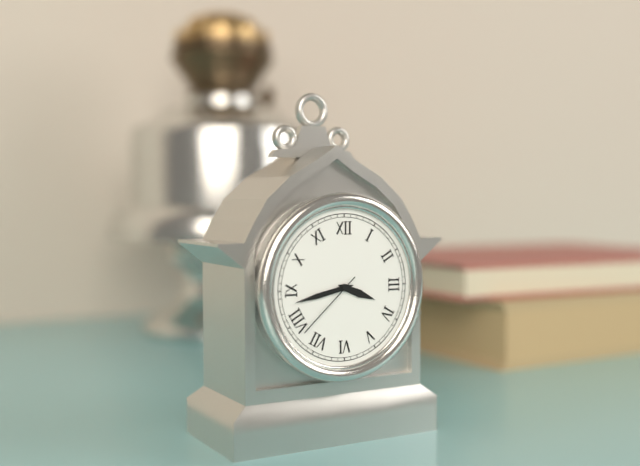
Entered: 3,43,38
